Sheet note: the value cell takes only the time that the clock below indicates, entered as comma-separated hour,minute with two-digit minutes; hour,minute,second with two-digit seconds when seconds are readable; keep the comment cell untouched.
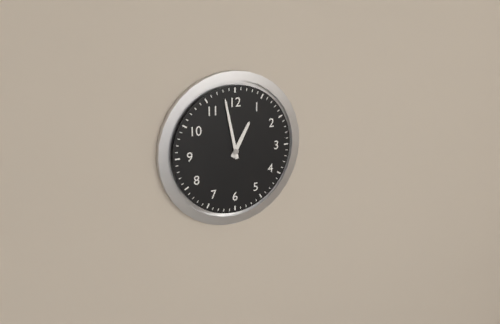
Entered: 12,58
